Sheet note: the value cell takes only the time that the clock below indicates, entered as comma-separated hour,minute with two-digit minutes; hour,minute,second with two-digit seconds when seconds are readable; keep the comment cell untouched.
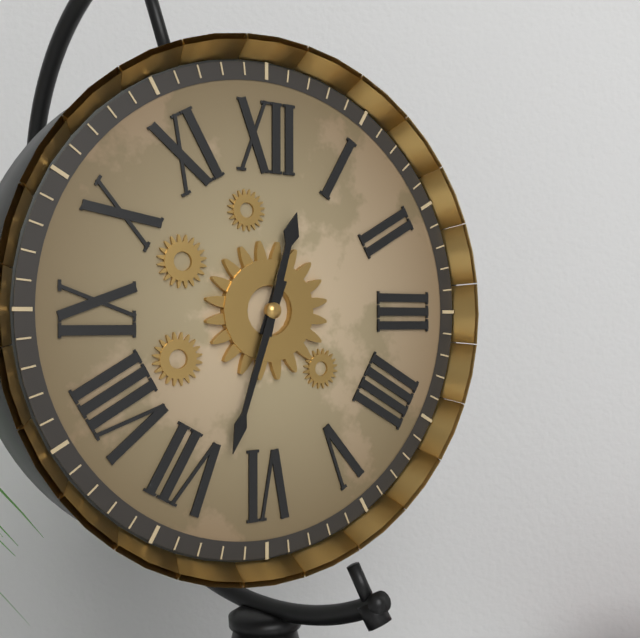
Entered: 12,33
